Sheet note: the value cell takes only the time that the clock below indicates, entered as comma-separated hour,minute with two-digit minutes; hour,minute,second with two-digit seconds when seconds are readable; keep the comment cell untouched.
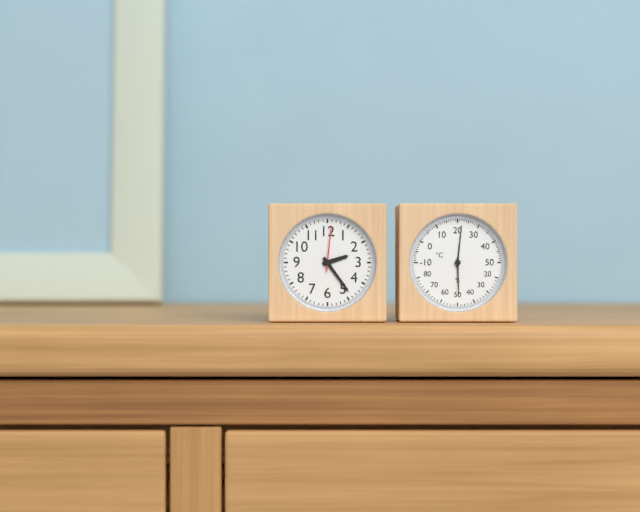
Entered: 2,24
